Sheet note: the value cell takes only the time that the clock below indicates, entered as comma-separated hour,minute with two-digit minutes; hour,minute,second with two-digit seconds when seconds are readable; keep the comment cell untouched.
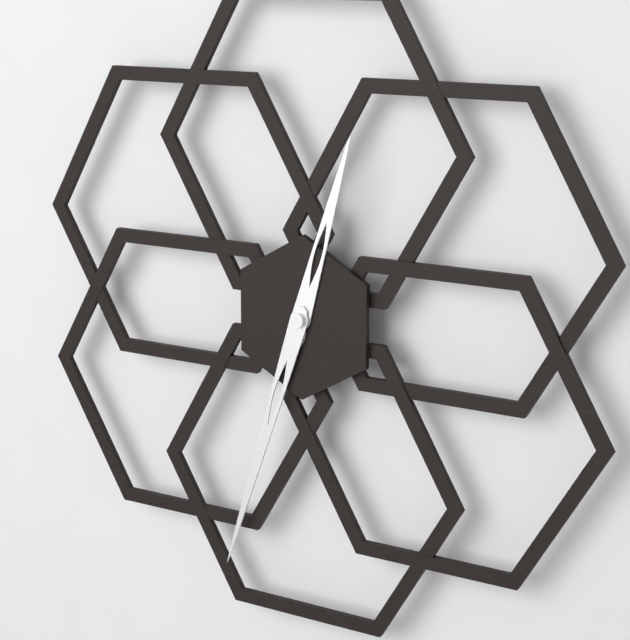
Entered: 12,33
